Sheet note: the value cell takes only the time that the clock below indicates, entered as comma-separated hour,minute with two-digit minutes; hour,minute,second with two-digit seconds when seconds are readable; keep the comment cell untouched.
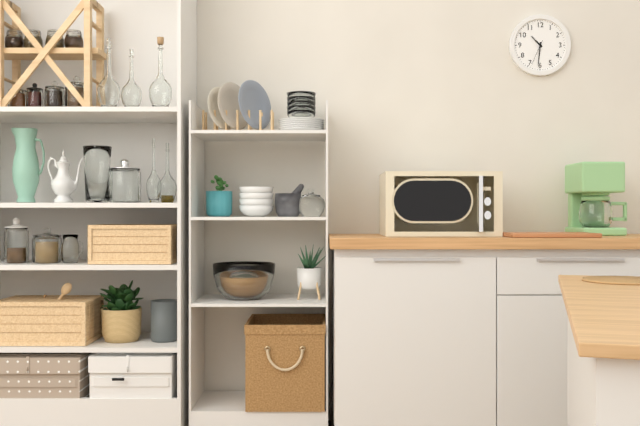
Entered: 10,31
